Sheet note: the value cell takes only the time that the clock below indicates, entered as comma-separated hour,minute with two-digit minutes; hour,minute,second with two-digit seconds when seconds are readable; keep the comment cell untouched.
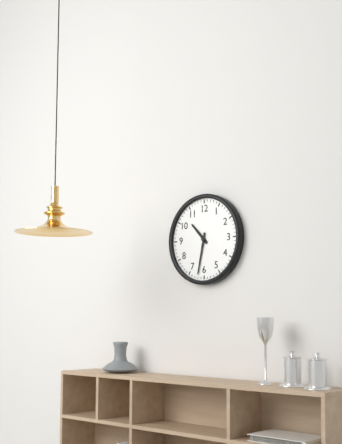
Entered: 10,32
